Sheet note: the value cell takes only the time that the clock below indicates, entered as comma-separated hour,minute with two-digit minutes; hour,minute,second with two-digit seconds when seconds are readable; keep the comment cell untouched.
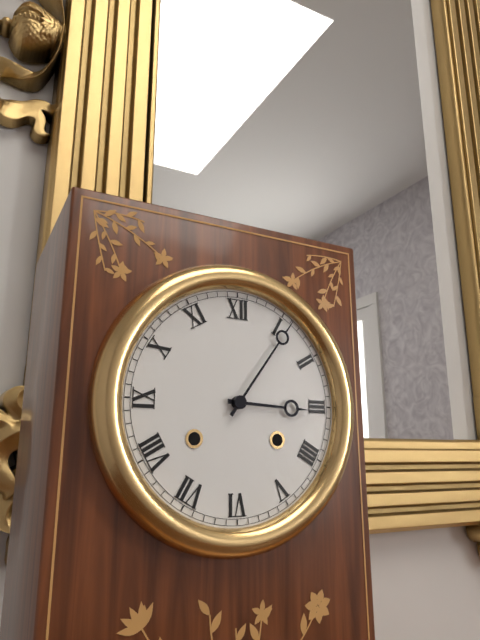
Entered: 3,06
